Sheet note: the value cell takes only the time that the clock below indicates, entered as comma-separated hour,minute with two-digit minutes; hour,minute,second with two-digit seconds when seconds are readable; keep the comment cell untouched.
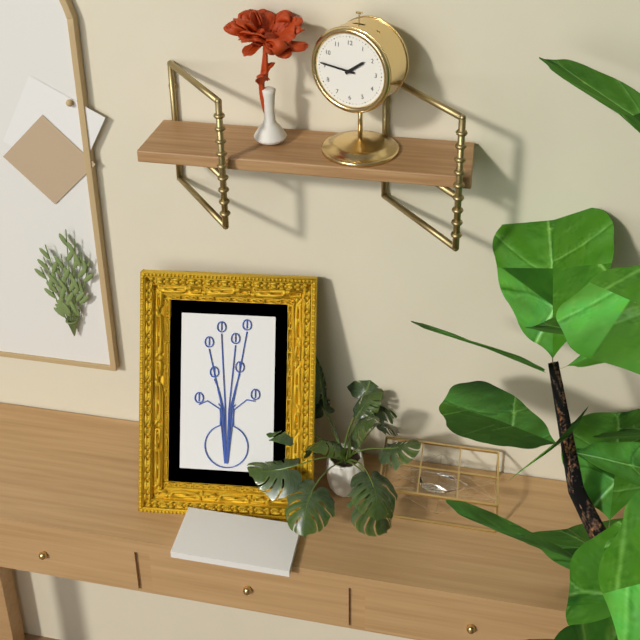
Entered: 1,46
